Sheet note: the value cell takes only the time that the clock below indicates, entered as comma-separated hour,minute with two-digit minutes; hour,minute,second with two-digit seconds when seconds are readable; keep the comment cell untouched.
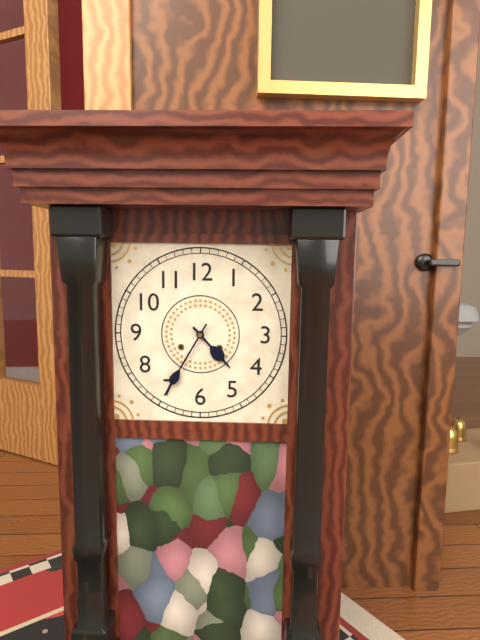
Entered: 4,35
